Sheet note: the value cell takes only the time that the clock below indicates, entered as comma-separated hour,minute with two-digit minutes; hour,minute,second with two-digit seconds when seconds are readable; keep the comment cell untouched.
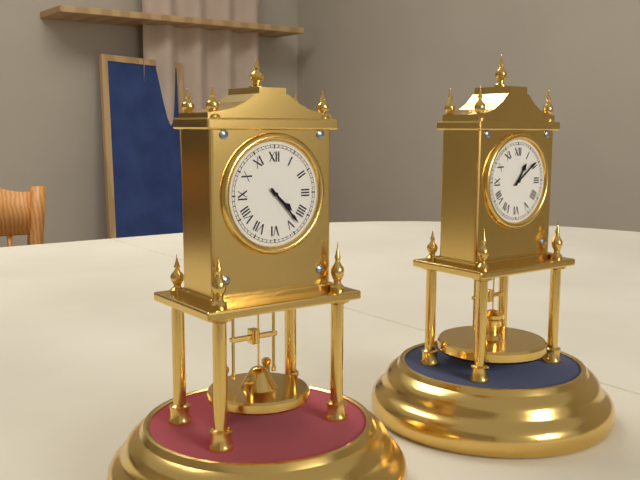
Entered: 4,23
